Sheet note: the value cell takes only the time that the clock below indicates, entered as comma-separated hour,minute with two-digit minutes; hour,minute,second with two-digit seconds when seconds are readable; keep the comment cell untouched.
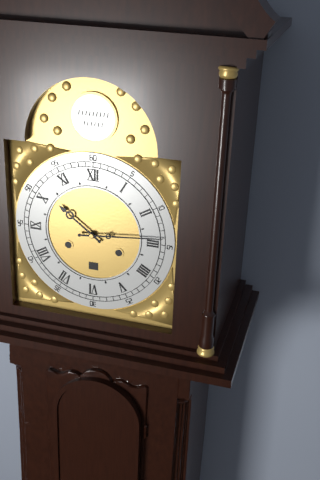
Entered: 10,14
